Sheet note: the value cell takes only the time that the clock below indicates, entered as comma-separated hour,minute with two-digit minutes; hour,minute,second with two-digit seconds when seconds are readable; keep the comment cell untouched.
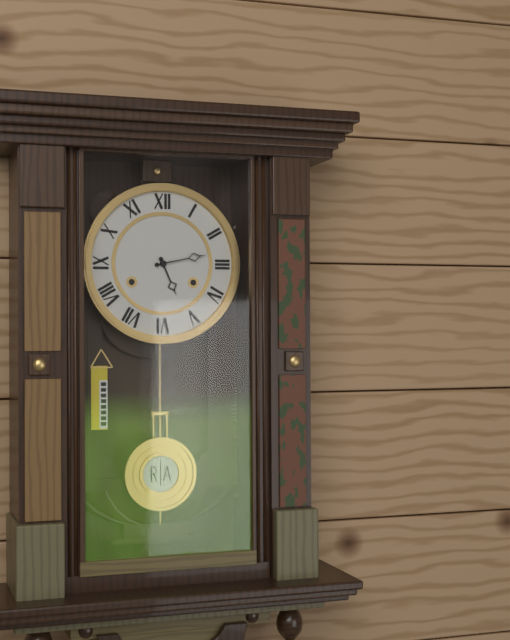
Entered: 5,13
